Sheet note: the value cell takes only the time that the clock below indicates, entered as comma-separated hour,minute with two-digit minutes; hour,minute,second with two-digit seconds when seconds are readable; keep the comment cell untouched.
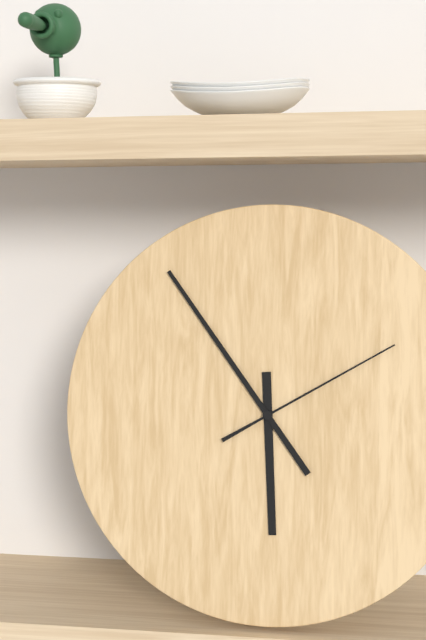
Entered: 5,54,10
